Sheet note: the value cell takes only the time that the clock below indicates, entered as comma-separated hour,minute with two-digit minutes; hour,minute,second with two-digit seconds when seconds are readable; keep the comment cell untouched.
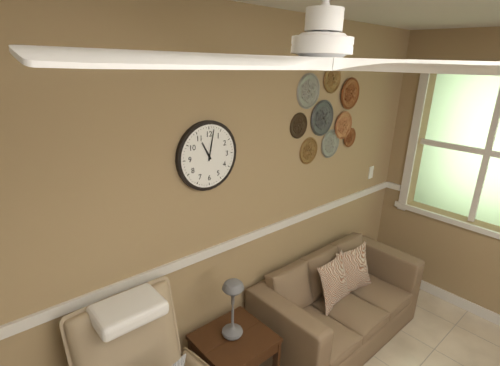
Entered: 11,02
